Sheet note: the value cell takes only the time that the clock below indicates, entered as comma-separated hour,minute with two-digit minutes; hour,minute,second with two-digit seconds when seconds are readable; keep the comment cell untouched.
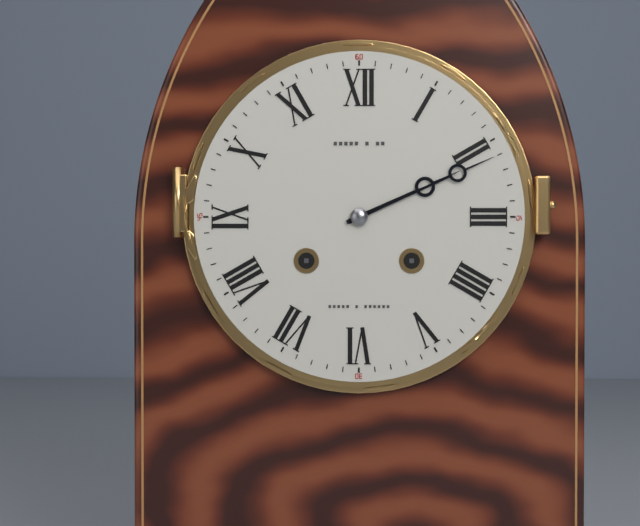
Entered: 2,11
